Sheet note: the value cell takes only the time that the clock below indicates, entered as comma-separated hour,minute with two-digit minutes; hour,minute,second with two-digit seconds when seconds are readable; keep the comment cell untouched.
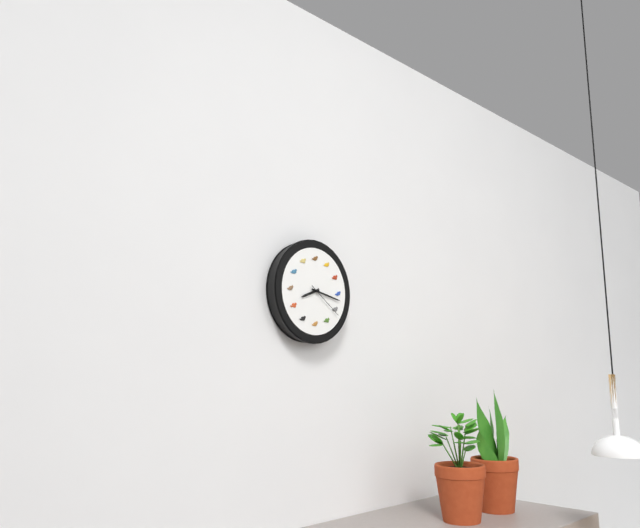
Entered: 8,17
